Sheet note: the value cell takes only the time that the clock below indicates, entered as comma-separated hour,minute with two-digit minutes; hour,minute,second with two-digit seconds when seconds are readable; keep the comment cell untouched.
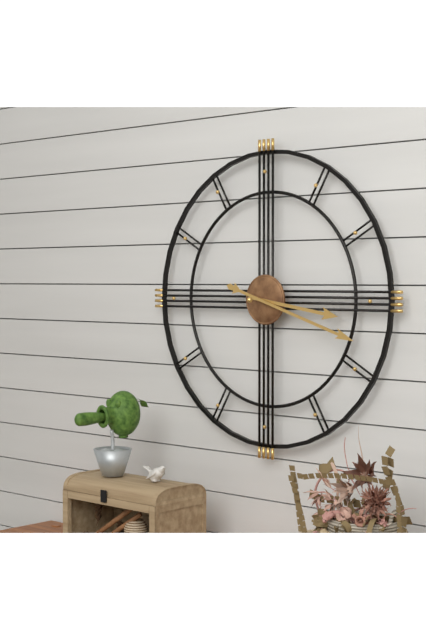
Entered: 3,18
